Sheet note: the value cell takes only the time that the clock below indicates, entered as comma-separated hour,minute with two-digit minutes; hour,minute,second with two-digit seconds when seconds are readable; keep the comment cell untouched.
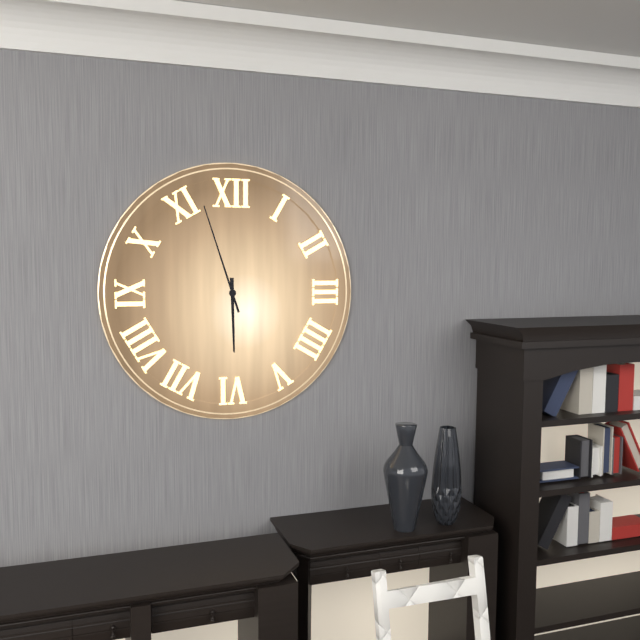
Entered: 5,57
